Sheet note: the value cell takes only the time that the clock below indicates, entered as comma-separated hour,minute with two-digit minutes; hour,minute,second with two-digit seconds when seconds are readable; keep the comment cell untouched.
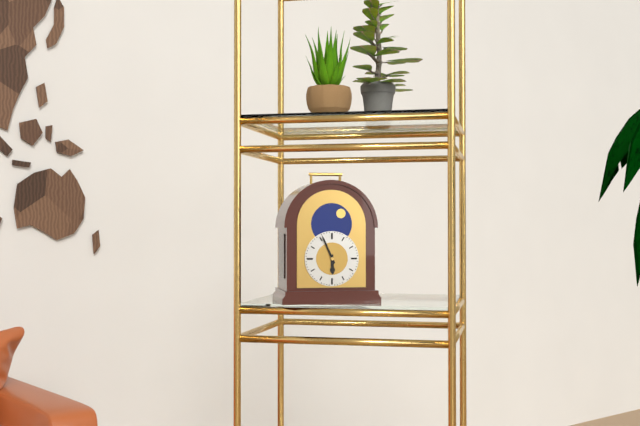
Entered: 5,56
